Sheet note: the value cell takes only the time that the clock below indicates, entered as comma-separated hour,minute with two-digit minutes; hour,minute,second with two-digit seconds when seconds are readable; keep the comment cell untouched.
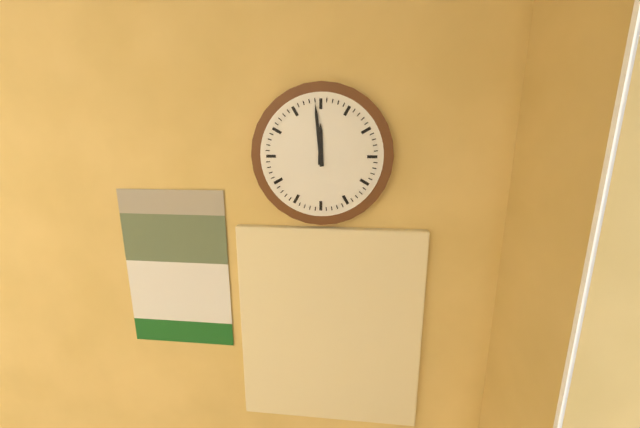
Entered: 11,59
